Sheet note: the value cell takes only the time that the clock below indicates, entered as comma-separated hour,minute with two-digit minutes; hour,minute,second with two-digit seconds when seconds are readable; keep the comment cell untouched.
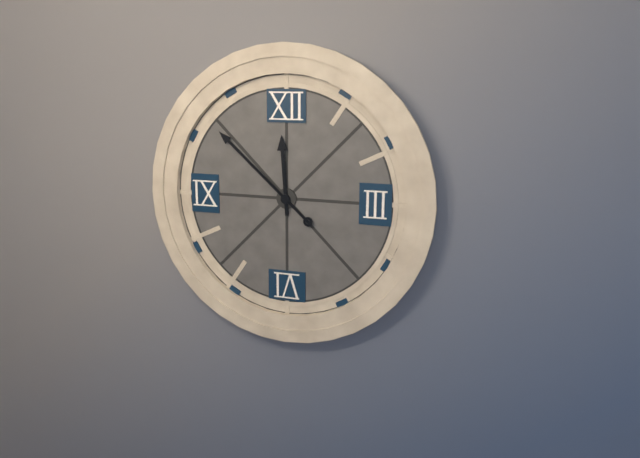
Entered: 11,52
